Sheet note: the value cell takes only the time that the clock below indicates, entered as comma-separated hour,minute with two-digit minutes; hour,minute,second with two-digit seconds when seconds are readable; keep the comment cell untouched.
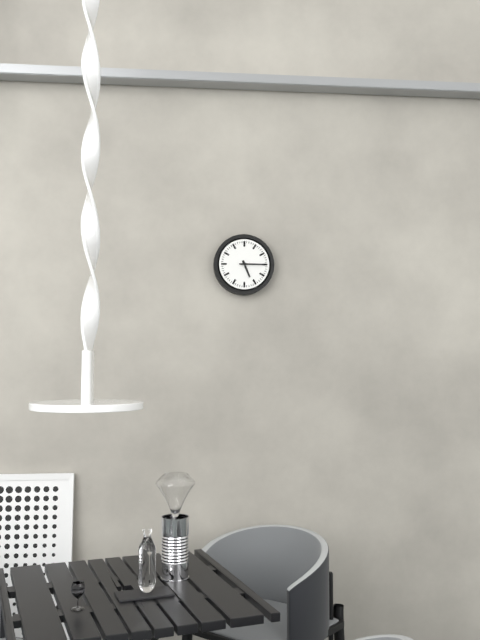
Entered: 5,15
